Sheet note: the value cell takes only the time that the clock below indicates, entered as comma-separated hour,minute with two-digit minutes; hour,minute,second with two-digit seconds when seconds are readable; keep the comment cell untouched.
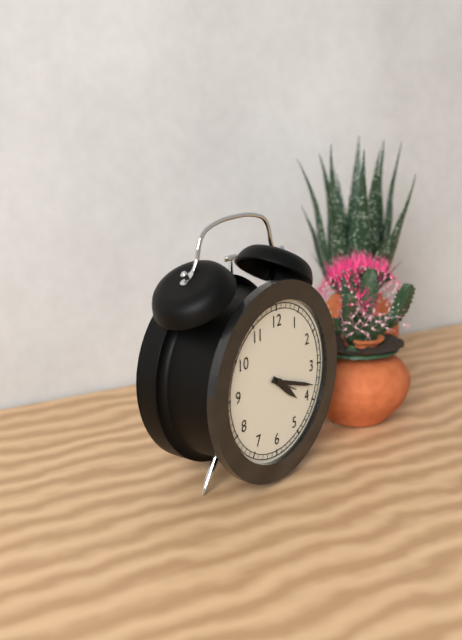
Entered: 4,18
